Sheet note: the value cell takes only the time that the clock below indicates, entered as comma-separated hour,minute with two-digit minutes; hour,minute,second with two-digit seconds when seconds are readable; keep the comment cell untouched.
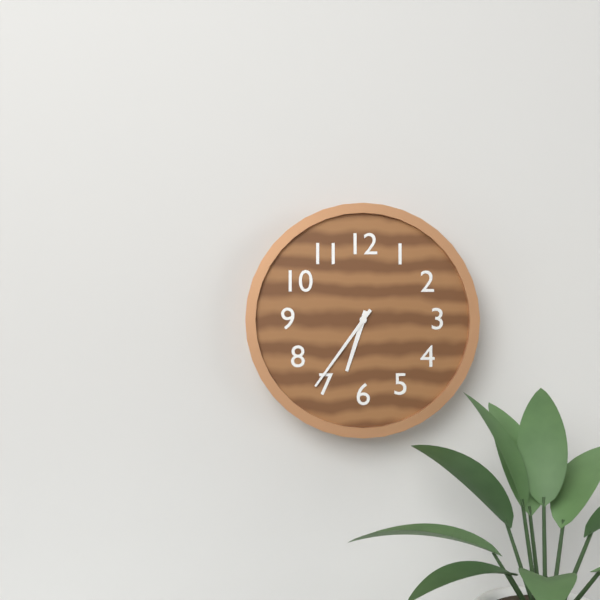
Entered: 6,36
